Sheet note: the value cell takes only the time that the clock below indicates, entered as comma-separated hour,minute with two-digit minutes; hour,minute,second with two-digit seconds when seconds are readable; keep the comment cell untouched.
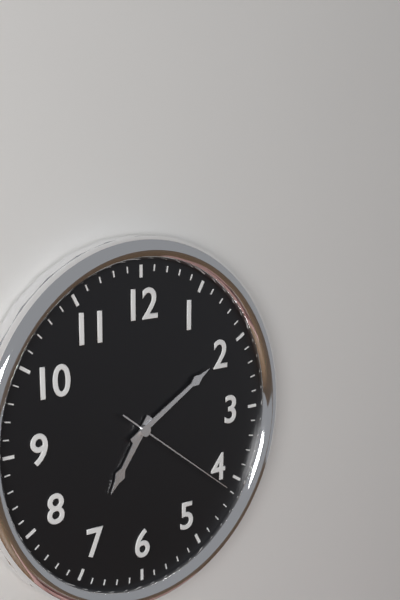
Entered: 7,10,21
